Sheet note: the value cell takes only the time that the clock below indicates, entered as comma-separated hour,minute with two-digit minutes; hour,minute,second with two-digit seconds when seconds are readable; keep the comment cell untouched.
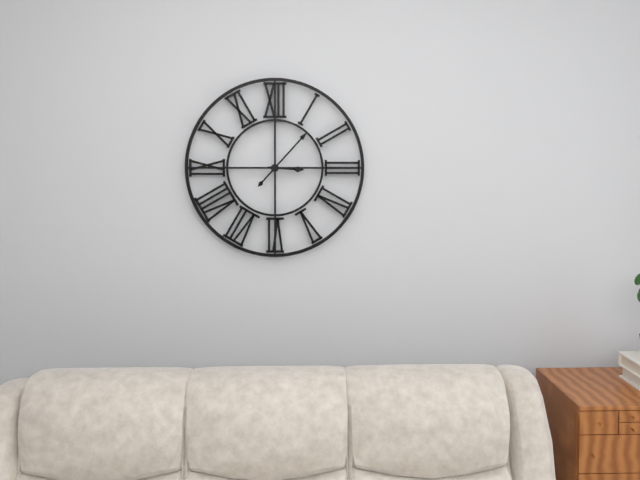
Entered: 3,07
